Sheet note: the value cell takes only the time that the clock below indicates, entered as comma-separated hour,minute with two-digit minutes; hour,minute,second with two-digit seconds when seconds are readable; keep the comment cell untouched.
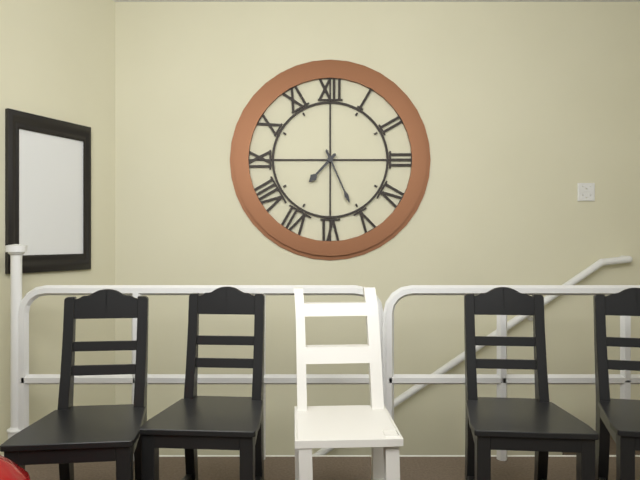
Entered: 7,26
